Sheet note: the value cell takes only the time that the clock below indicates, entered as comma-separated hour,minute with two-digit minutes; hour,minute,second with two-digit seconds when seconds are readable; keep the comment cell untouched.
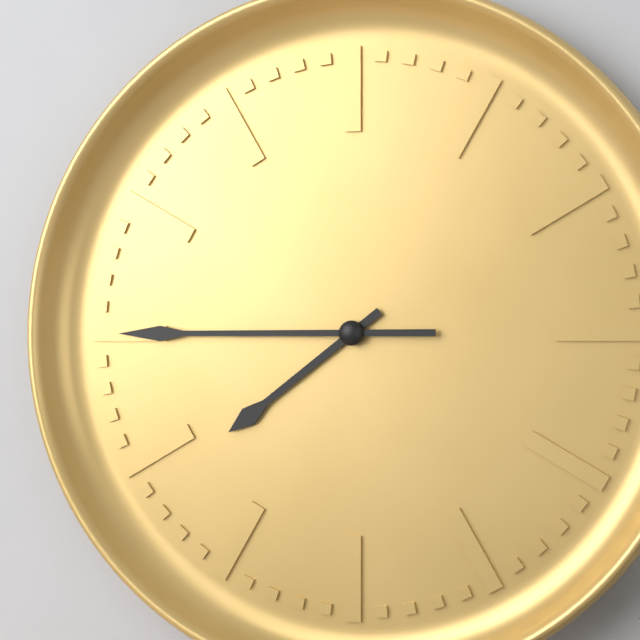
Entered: 7,45
